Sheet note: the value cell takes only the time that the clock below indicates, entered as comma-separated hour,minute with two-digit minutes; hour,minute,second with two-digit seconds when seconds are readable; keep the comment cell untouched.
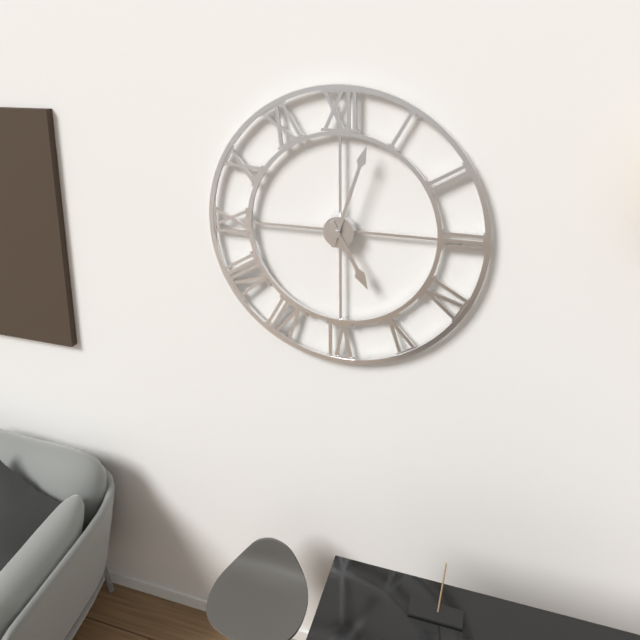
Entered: 5,03
